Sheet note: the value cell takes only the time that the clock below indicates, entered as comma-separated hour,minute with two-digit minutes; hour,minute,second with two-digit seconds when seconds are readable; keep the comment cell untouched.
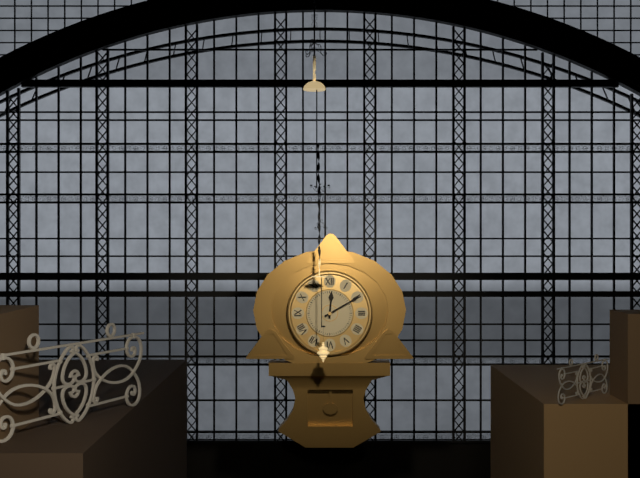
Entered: 12,10
